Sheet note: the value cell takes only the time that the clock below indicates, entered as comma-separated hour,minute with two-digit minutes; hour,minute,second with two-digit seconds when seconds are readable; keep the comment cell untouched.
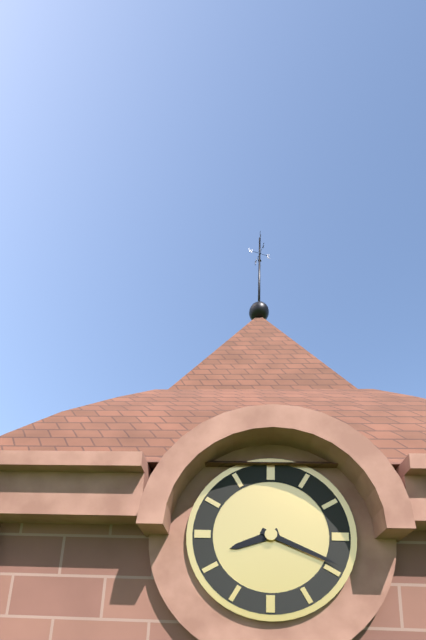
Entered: 8,19
